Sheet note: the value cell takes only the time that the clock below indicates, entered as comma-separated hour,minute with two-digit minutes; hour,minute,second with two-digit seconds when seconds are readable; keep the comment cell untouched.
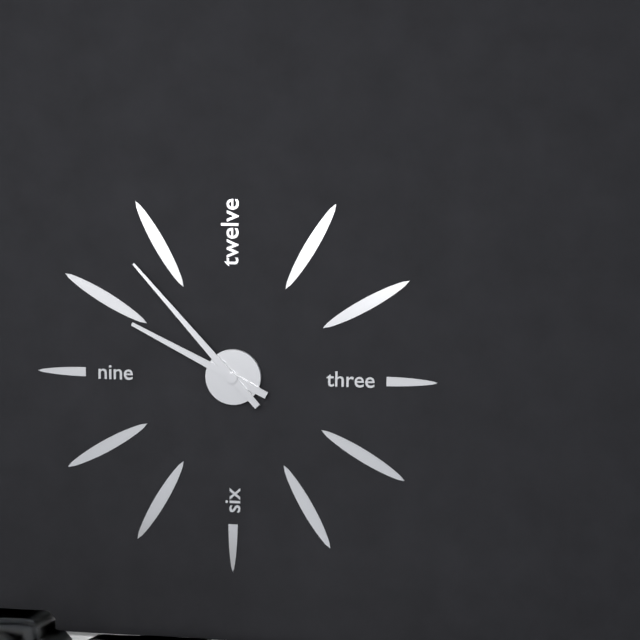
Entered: 9,53
